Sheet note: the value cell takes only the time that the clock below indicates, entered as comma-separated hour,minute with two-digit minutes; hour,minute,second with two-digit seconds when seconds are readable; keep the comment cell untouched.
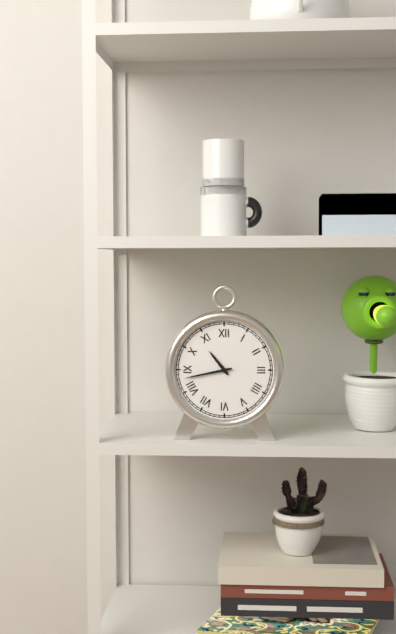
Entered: 10,43
